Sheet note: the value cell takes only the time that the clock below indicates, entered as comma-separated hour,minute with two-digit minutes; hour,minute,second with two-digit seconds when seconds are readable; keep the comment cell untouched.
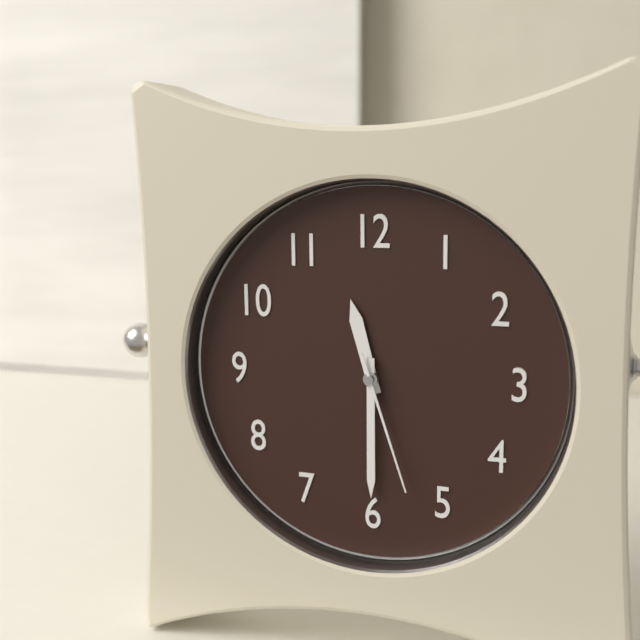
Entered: 11,30,27
